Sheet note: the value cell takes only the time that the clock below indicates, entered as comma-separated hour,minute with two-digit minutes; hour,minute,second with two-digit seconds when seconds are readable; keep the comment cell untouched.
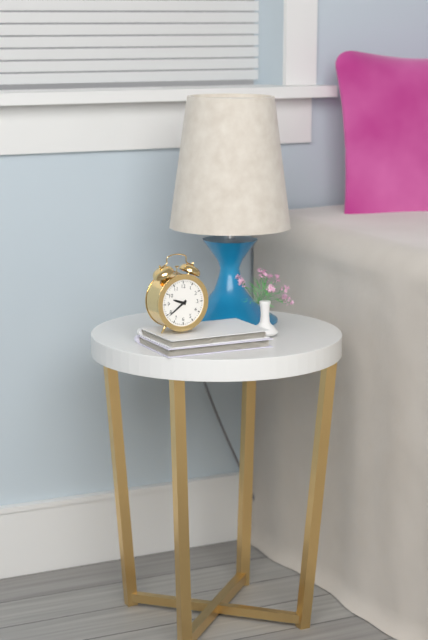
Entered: 9,39
